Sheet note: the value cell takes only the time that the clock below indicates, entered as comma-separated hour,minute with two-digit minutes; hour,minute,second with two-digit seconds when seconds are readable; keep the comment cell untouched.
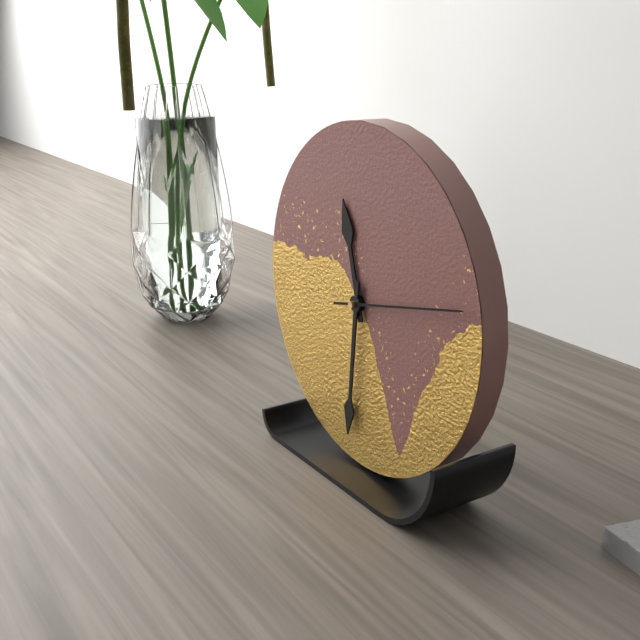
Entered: 11,31,13
